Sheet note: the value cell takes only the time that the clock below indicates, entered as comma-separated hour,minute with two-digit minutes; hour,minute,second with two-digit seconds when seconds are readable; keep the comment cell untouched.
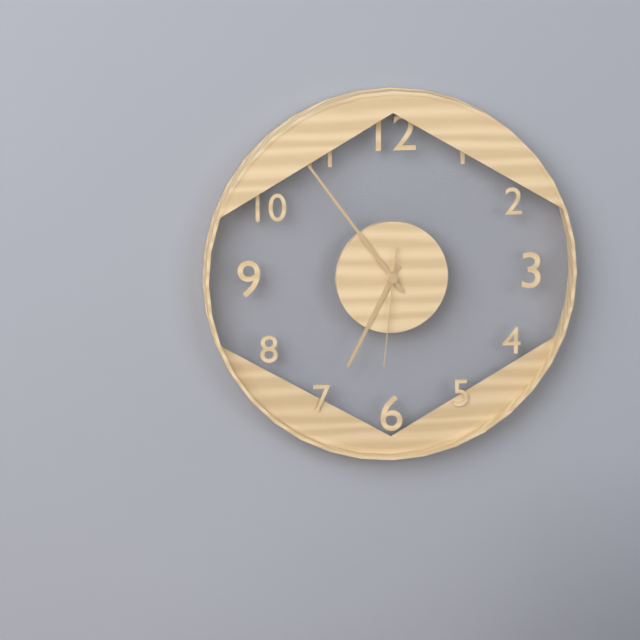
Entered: 6,54,31
